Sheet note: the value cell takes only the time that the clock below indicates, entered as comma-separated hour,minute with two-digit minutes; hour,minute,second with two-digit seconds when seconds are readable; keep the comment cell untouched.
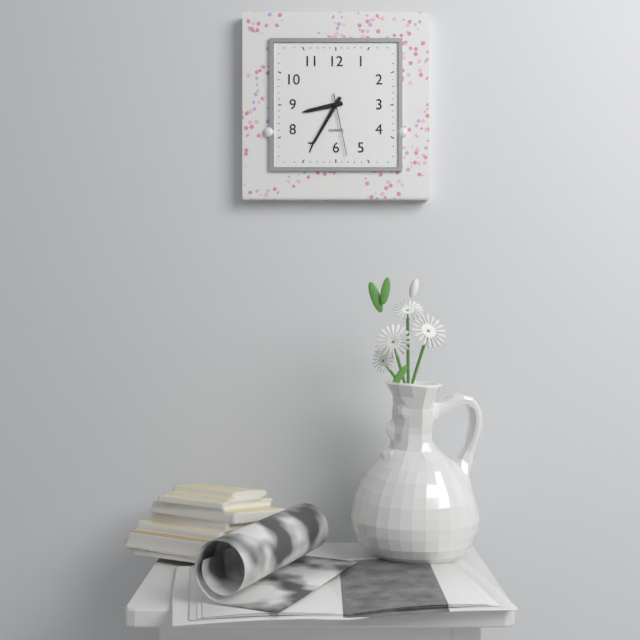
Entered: 8,35,28
